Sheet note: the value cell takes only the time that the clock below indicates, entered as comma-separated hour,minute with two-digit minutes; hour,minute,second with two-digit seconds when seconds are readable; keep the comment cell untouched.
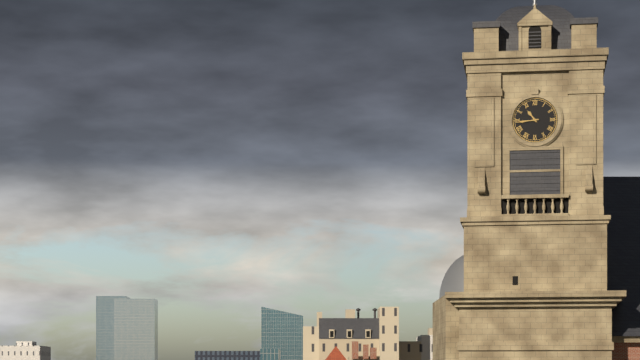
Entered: 10,44
